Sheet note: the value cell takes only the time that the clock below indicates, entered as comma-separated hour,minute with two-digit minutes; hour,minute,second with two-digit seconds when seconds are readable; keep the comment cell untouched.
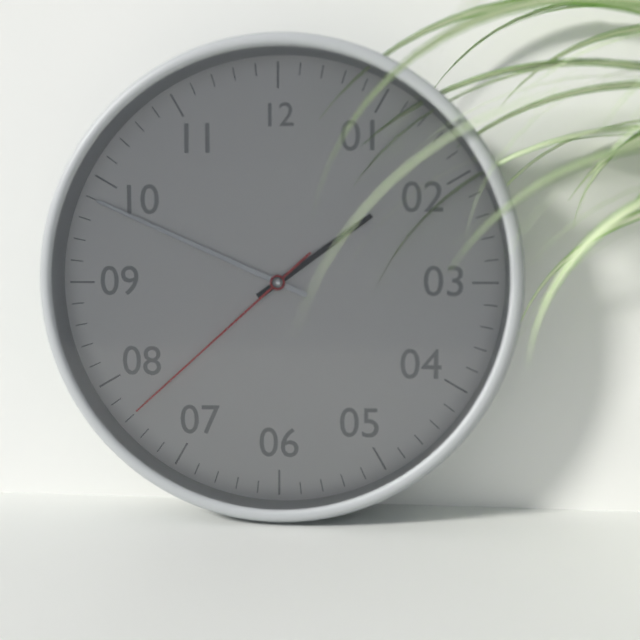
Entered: 1,49,38
